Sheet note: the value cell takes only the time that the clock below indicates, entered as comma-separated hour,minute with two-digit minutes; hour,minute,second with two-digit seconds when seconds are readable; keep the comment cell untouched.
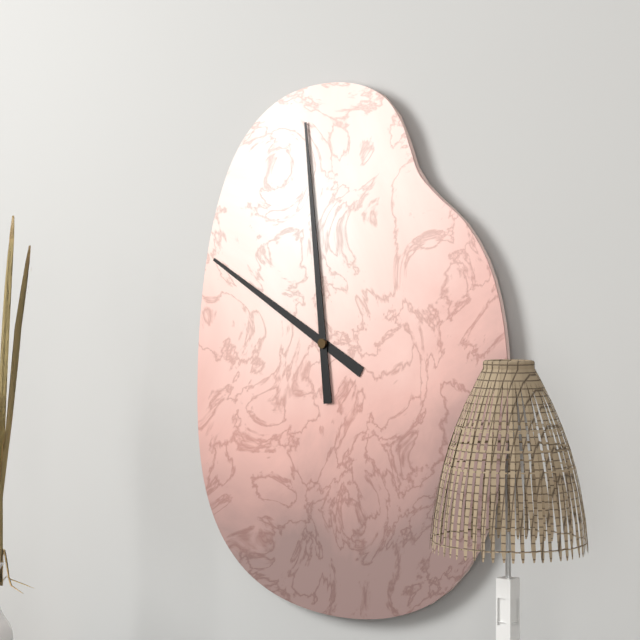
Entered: 9,59
